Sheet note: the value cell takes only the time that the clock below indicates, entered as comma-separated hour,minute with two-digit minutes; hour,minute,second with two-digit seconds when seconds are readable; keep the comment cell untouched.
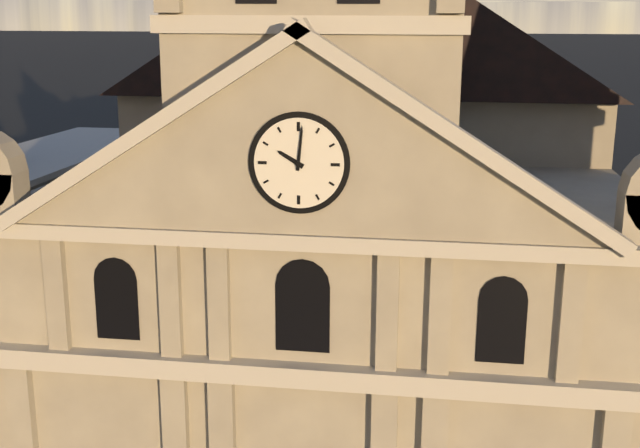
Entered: 10,01
